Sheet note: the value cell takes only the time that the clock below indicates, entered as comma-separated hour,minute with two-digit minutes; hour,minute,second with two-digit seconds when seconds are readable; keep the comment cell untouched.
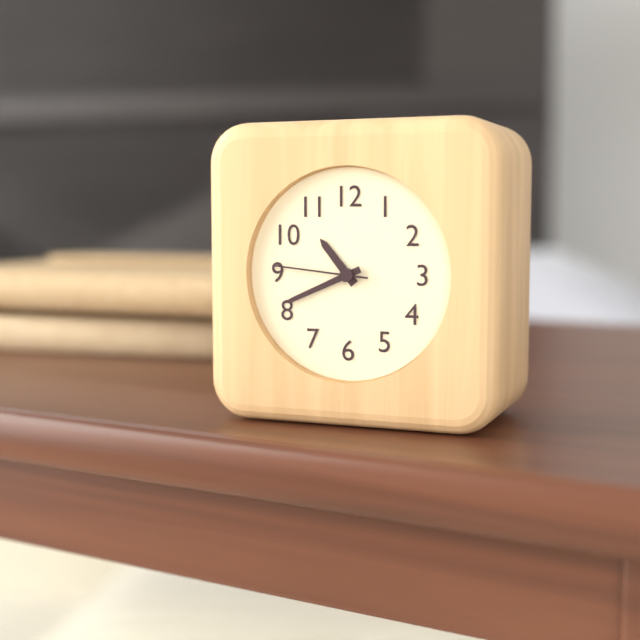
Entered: 10,41,46
